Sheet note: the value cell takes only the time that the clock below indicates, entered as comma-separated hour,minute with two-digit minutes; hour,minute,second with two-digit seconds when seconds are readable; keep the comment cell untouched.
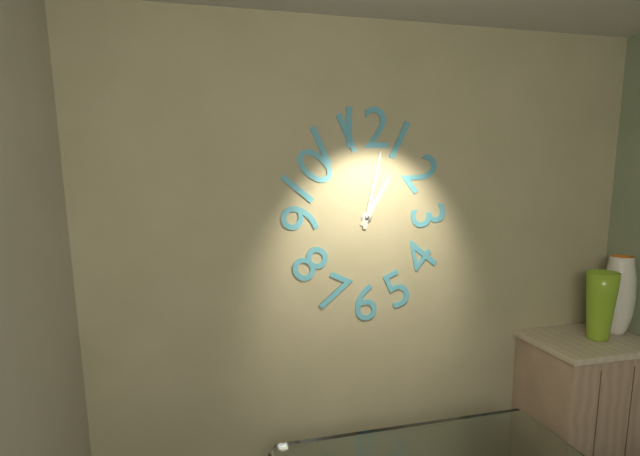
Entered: 1,02
